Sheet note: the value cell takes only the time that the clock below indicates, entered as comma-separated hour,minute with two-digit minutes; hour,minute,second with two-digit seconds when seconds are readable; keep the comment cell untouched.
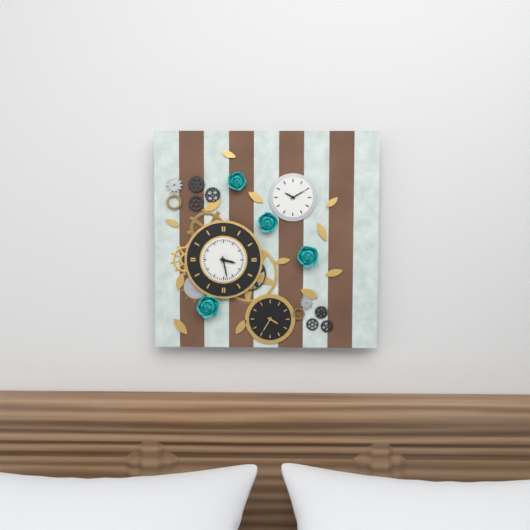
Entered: 3,28
